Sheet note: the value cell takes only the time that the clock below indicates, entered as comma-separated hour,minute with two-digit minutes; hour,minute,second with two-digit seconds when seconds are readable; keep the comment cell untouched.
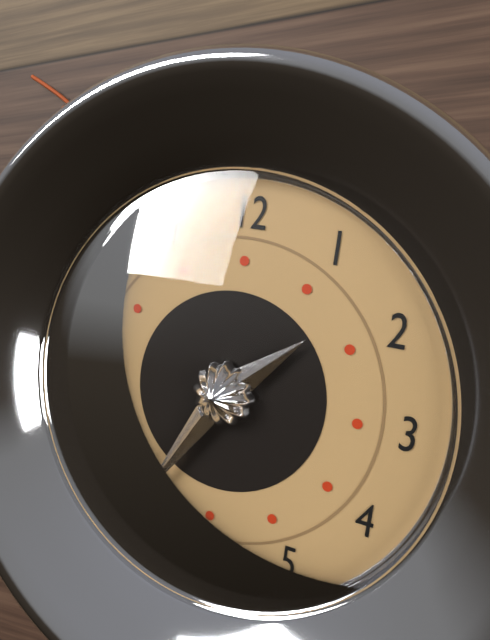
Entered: 1,35
